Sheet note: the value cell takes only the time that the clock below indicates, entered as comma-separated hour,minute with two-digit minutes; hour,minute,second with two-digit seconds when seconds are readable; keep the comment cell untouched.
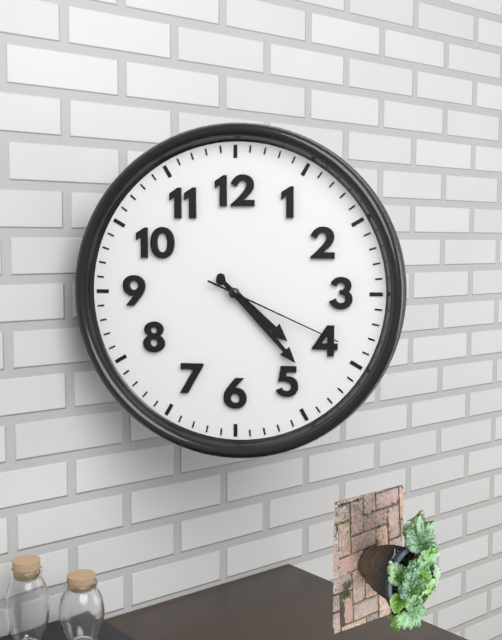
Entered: 4,23,19
